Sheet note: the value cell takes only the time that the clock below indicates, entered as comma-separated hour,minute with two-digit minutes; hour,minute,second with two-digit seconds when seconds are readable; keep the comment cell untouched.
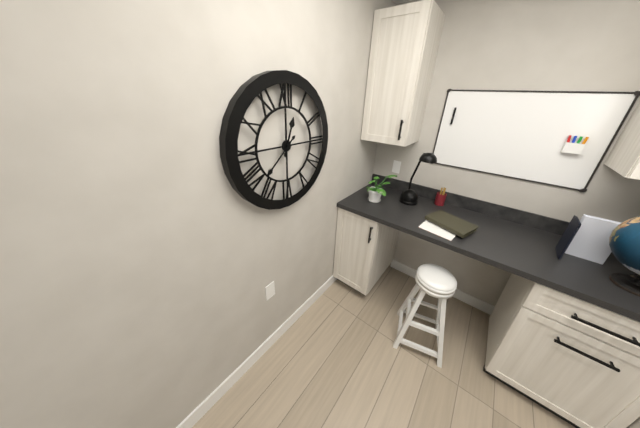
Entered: 12,38
